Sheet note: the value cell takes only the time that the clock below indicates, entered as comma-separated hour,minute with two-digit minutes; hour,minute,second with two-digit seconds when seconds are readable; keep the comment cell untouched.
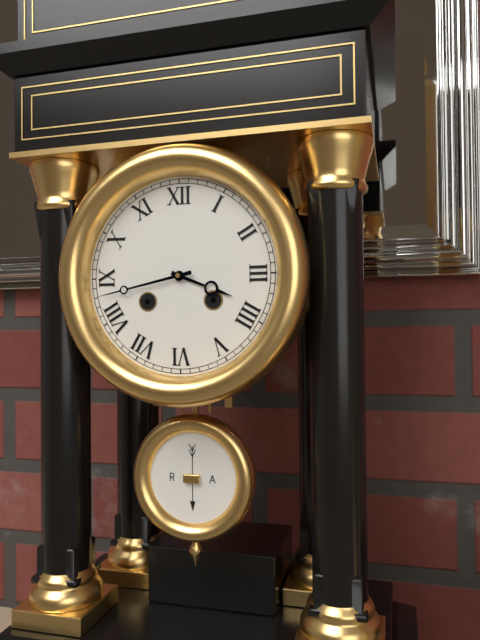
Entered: 3,43
